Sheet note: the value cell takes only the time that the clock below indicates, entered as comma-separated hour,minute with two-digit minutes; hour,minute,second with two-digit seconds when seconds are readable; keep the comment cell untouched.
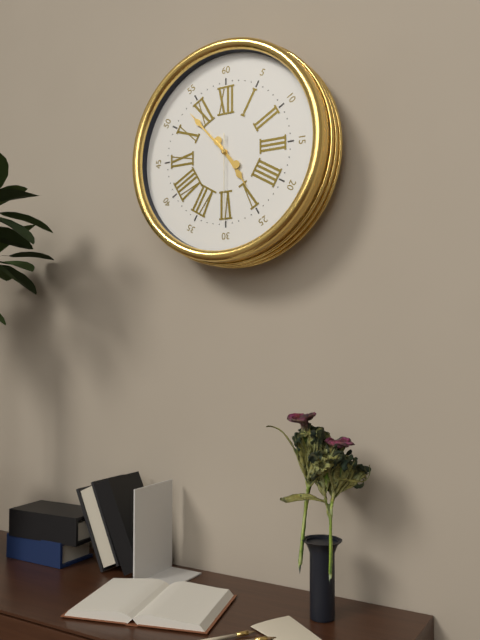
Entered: 4,53,30
